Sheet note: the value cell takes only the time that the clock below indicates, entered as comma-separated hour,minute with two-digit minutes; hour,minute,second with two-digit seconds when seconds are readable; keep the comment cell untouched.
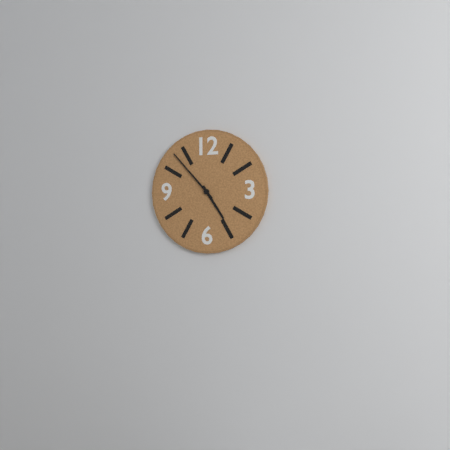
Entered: 4,53
